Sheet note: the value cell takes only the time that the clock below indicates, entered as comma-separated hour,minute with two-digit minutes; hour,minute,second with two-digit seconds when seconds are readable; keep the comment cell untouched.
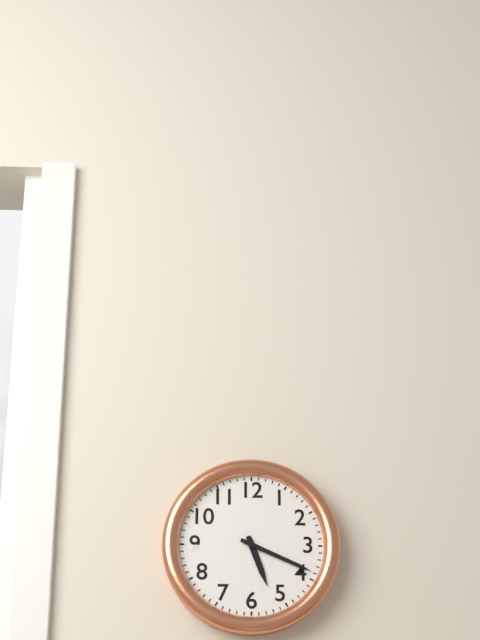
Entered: 5,19
